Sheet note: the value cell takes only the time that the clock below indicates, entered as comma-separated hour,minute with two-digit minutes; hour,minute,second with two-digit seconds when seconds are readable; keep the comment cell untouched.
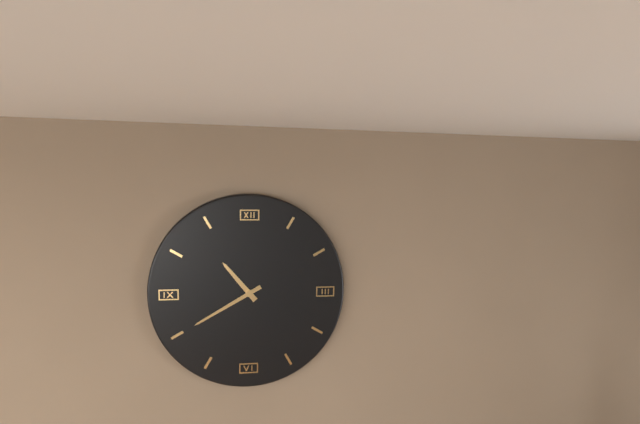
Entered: 10,40
